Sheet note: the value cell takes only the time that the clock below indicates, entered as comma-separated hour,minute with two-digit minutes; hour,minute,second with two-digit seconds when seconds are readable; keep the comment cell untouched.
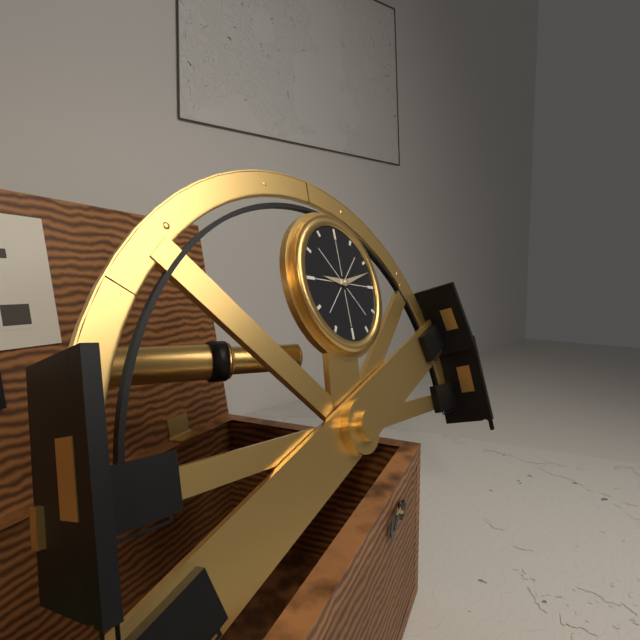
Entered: 9,12
